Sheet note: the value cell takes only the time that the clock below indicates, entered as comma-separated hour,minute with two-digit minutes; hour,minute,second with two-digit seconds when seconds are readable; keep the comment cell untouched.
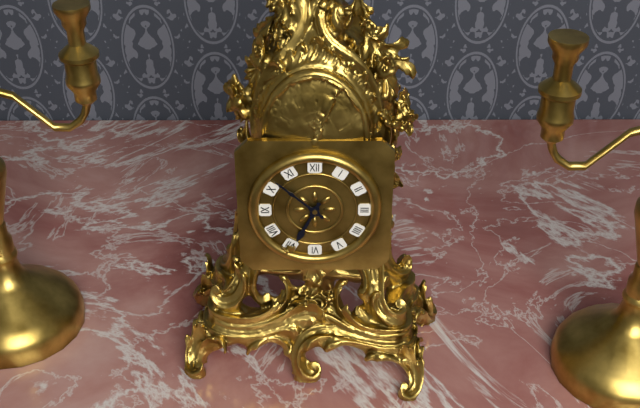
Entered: 6,52
